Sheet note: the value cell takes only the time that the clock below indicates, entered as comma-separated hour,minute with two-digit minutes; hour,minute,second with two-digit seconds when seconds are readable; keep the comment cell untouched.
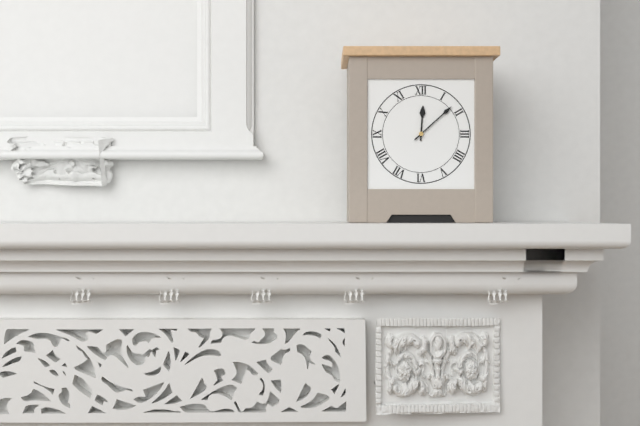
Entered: 12,08
